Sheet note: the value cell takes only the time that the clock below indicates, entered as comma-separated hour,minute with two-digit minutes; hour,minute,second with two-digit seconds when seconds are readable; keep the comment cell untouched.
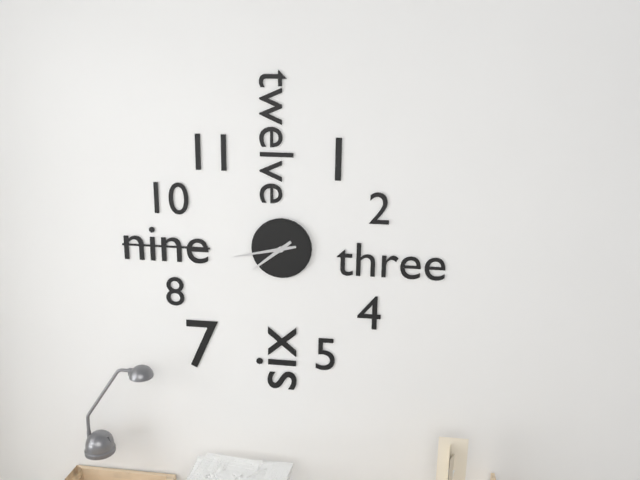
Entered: 7,43
